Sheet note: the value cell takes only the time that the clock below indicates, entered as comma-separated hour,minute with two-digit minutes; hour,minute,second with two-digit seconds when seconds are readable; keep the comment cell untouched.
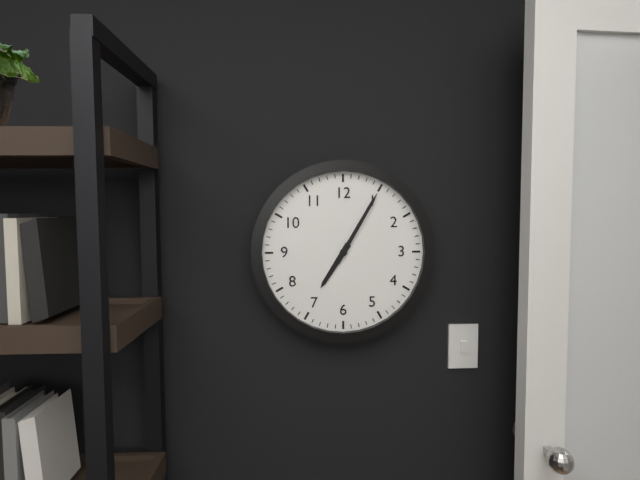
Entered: 7,05
